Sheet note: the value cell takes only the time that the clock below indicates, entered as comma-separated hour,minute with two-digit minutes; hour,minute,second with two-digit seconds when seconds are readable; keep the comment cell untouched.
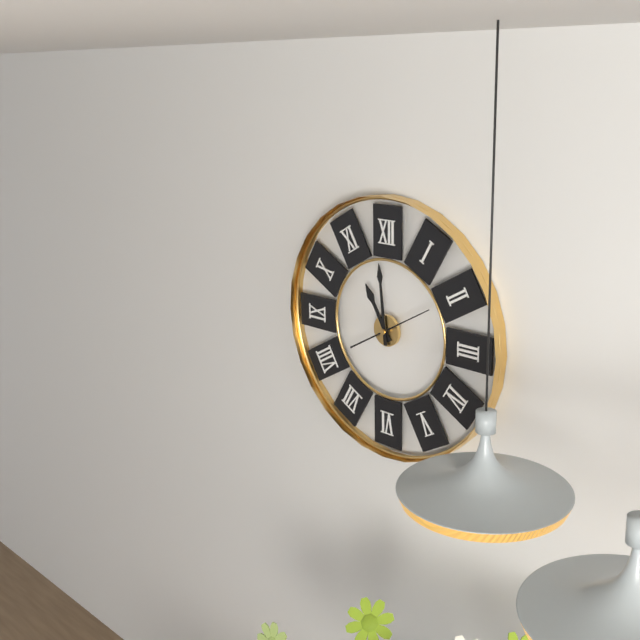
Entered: 10,59
